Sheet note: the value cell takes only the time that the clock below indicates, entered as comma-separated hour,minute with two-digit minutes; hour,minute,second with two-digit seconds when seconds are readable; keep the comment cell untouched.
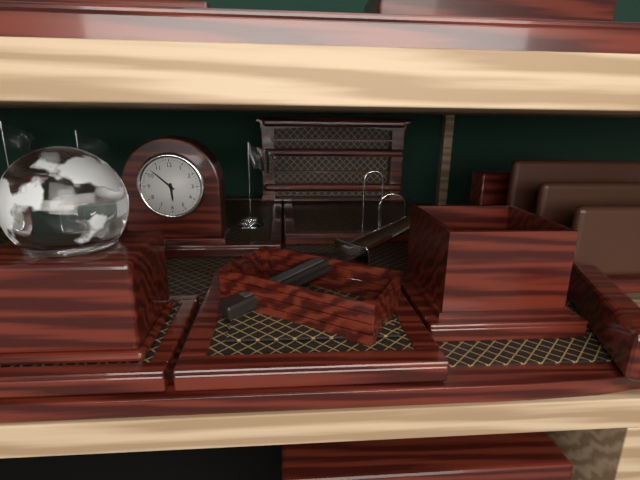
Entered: 5,52
